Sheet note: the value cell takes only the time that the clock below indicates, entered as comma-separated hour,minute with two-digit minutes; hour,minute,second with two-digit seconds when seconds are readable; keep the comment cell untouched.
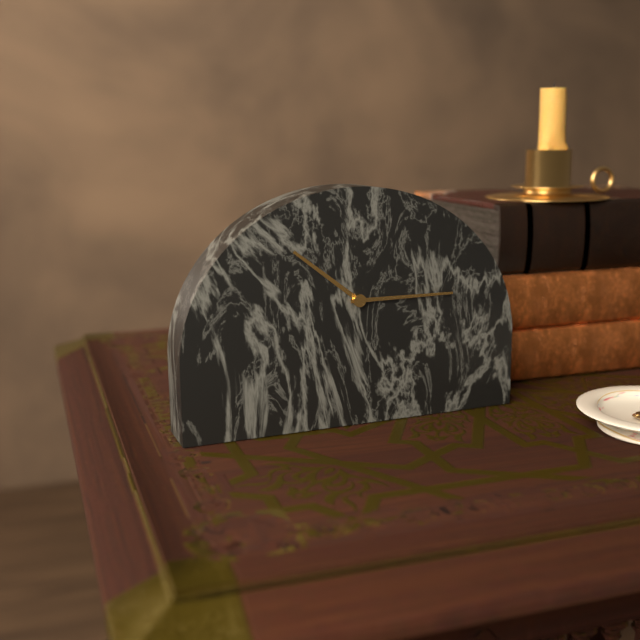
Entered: 10,15
